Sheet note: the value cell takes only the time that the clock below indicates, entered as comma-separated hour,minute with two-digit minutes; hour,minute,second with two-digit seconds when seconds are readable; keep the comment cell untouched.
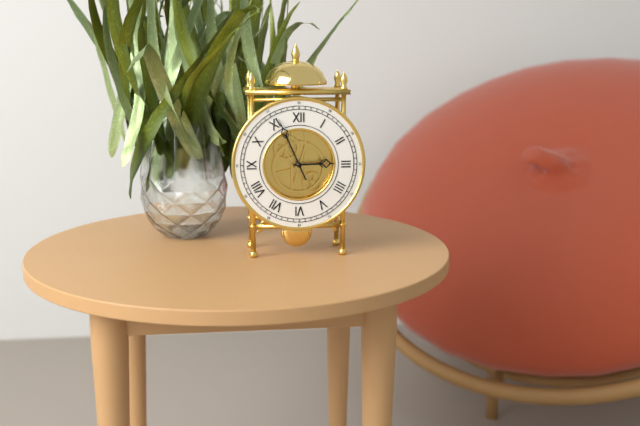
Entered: 2,56
